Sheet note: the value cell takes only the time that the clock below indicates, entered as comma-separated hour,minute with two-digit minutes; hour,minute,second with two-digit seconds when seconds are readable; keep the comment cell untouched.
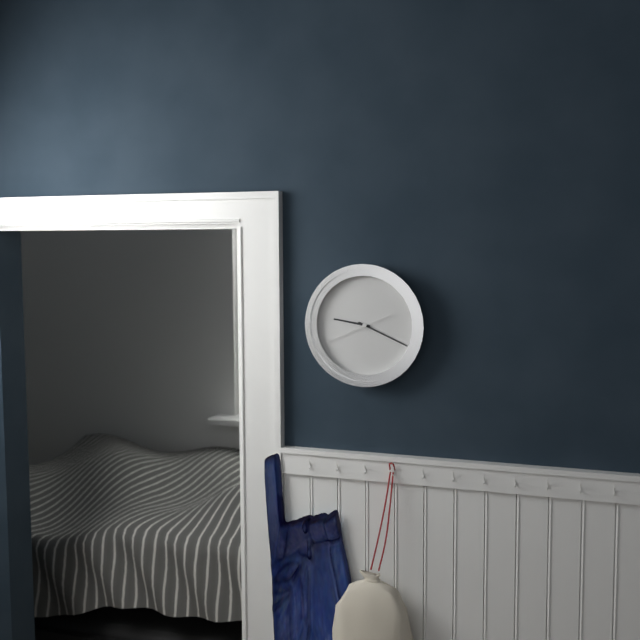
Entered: 9,19,41
